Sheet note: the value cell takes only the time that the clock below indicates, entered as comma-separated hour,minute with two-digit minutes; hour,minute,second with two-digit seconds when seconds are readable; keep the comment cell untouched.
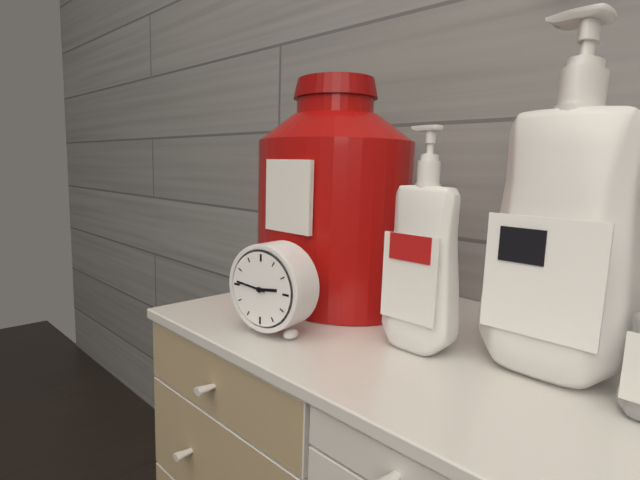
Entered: 2,46
